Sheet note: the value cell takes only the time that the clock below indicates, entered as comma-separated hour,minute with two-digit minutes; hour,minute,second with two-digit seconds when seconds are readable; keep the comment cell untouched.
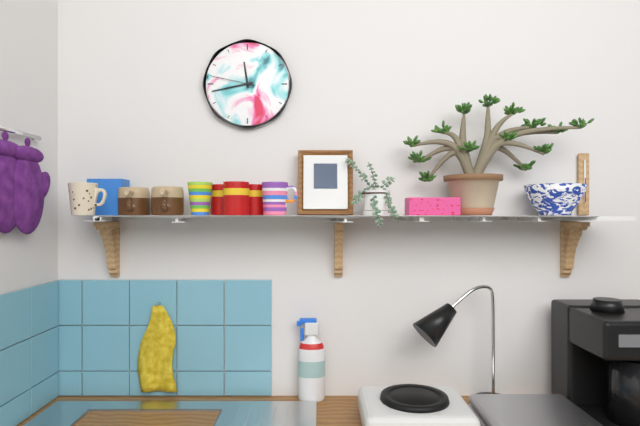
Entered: 11,43
